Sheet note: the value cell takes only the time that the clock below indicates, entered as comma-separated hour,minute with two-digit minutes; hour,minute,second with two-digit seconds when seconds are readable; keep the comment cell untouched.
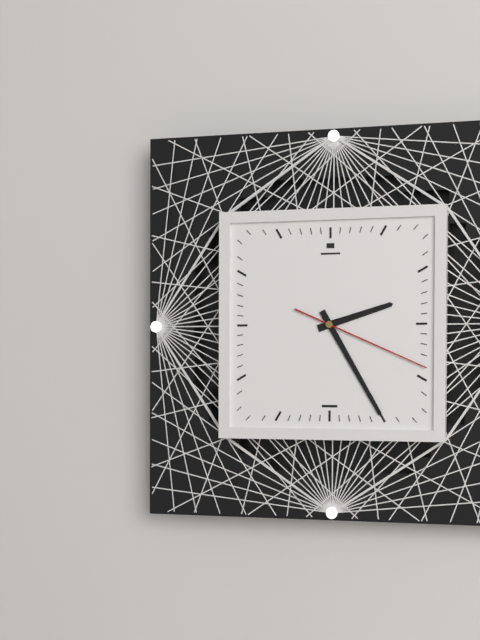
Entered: 2,25,19
